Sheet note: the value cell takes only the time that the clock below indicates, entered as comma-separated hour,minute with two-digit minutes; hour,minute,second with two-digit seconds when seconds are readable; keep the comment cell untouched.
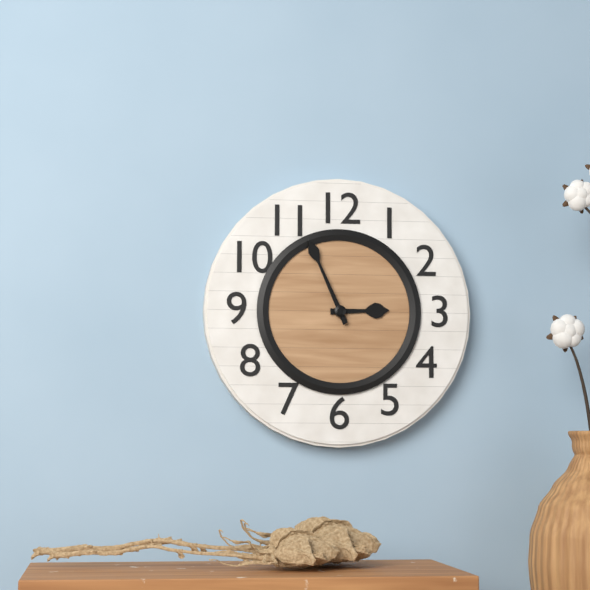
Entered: 2,56
